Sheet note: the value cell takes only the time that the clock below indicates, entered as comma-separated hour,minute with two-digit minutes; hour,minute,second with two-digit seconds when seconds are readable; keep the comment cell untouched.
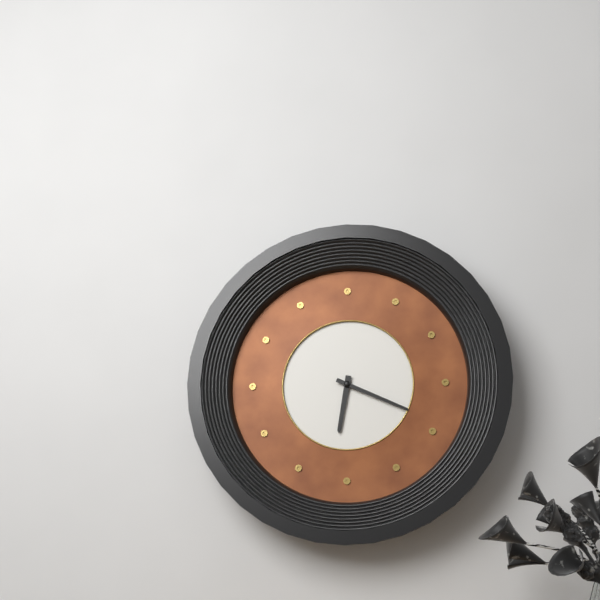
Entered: 6,19
